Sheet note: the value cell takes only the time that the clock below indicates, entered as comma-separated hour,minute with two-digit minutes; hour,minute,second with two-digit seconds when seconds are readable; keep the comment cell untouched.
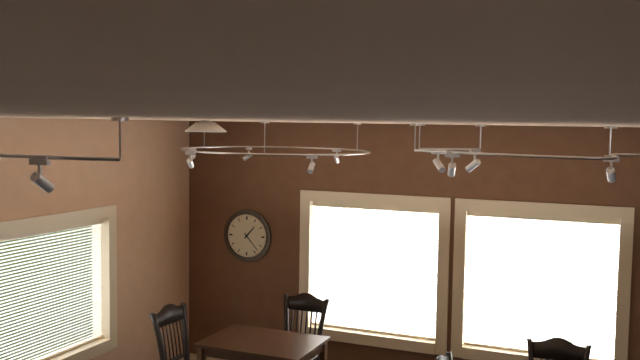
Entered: 1,23
